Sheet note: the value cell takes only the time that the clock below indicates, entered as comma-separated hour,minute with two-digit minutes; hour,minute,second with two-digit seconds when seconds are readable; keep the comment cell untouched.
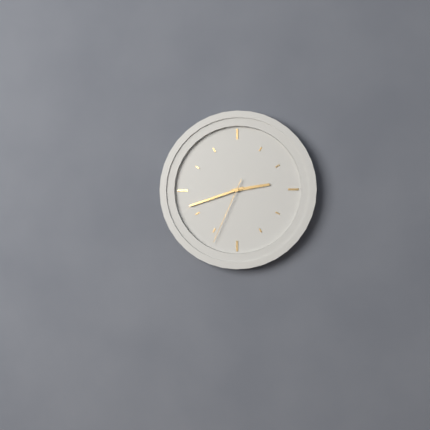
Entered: 2,42,34
